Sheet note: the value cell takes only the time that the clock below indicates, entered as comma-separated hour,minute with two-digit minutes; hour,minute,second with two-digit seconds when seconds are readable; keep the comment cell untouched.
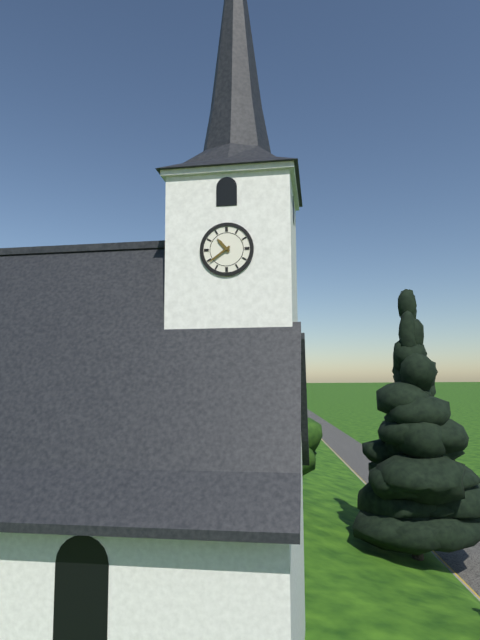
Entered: 10,39
